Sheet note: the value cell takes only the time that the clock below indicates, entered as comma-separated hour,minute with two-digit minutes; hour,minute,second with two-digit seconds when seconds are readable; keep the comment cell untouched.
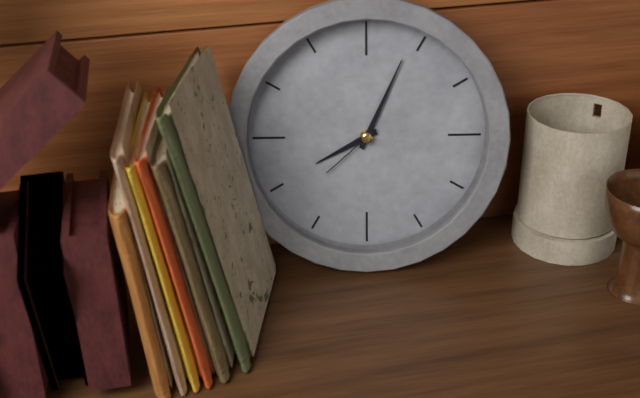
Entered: 8,04,38
